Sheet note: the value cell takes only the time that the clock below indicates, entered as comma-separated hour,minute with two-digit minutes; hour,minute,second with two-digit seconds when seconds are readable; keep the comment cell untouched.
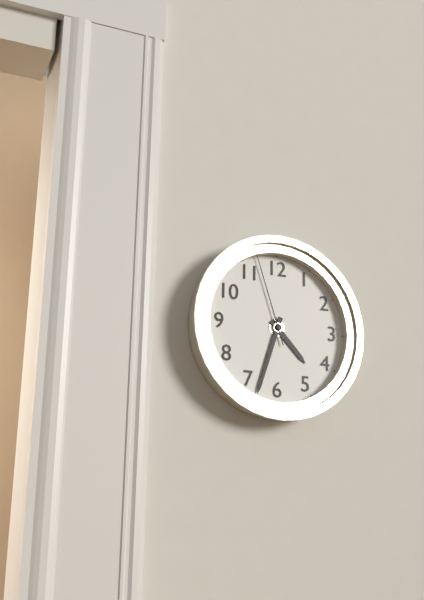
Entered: 4,33,57
